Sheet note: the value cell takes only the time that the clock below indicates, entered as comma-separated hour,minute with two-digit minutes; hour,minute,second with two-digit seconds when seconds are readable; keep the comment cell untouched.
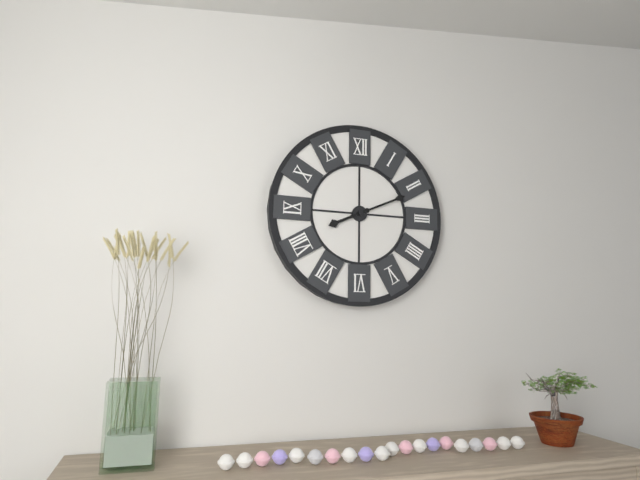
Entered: 8,11
